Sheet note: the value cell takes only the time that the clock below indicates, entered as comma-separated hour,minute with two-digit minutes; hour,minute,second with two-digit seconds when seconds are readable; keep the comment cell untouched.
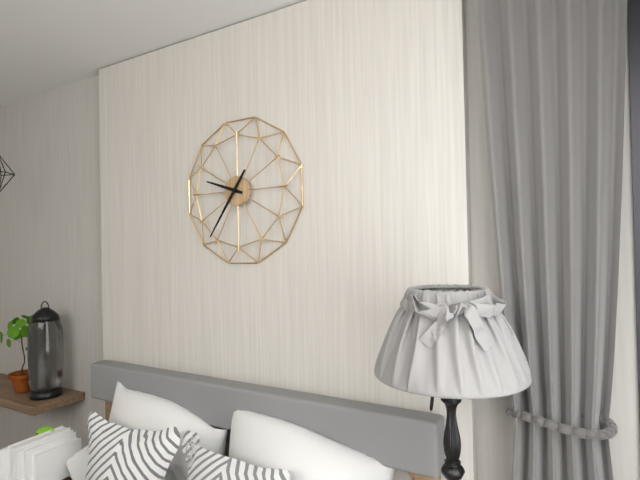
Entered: 9,36
